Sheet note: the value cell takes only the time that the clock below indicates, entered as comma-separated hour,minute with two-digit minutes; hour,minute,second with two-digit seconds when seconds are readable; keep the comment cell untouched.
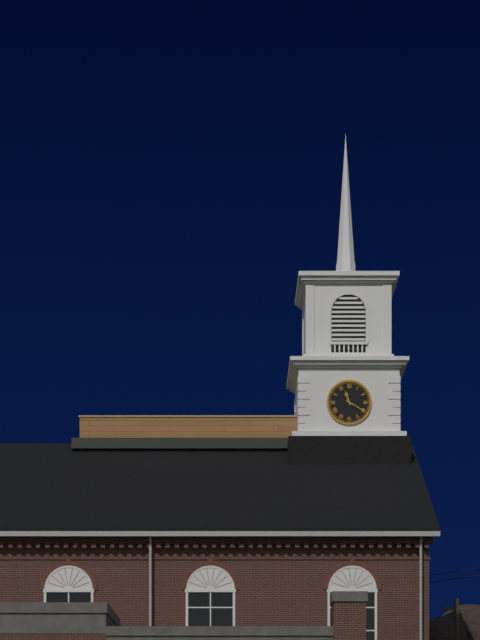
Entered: 11,20
